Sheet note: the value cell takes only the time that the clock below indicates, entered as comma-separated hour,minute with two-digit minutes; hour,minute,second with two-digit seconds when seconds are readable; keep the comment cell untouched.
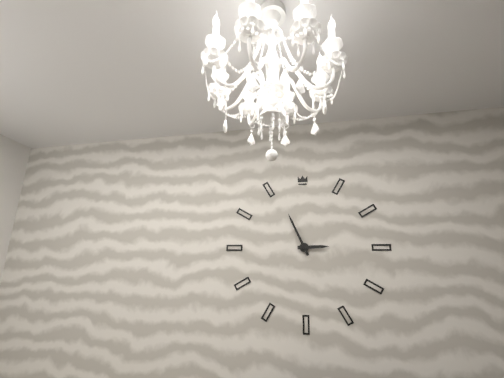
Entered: 2,56
